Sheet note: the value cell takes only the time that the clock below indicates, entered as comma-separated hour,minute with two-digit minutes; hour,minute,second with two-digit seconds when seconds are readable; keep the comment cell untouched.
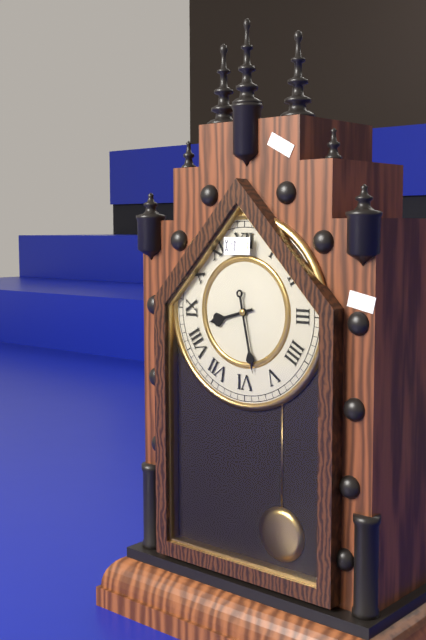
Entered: 8,28
